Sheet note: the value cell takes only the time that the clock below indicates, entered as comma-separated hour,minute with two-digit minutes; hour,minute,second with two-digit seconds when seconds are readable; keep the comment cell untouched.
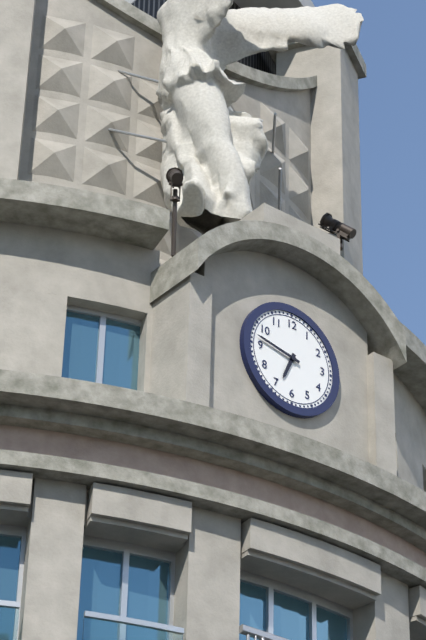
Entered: 6,47
